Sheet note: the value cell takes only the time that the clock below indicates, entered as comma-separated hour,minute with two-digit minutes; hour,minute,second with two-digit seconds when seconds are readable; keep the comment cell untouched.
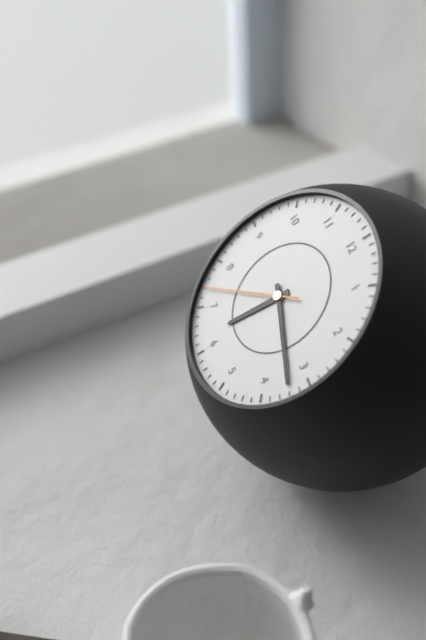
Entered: 6,17,37
